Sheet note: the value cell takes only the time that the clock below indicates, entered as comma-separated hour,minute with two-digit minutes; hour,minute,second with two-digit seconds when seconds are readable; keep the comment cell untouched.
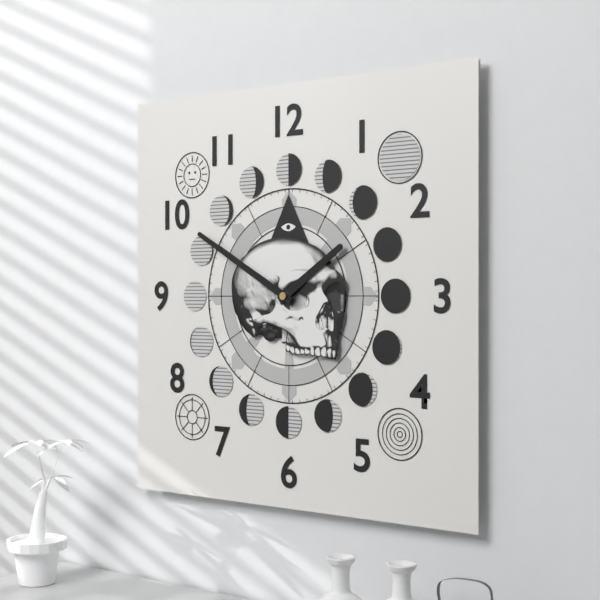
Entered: 1,50
